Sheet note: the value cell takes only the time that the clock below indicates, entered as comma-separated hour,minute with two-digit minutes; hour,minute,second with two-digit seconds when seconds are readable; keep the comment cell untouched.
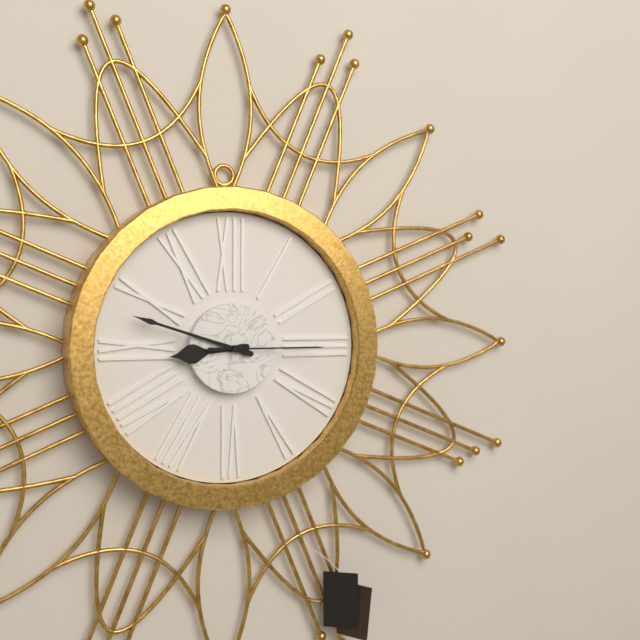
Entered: 8,48,15
